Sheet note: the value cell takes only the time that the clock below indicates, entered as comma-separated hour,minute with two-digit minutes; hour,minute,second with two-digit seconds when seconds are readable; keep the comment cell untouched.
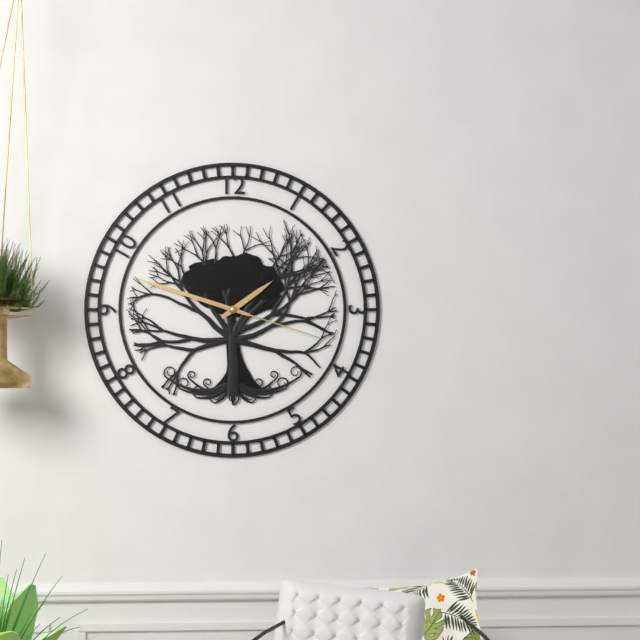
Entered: 1,48,18
